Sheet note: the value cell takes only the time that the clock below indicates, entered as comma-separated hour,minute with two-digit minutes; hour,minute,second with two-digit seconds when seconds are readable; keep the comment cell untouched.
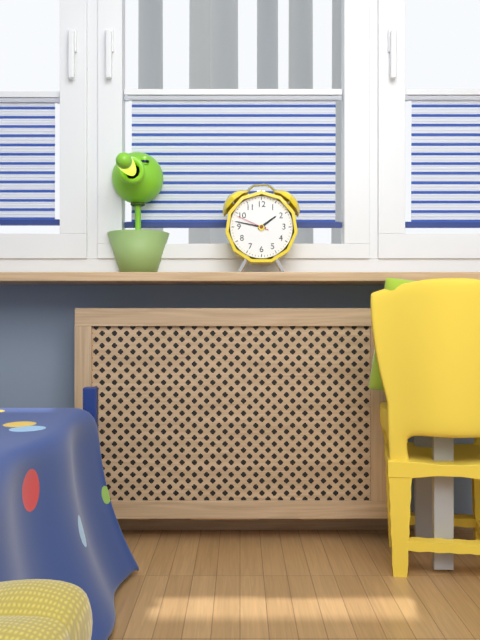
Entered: 1,47
